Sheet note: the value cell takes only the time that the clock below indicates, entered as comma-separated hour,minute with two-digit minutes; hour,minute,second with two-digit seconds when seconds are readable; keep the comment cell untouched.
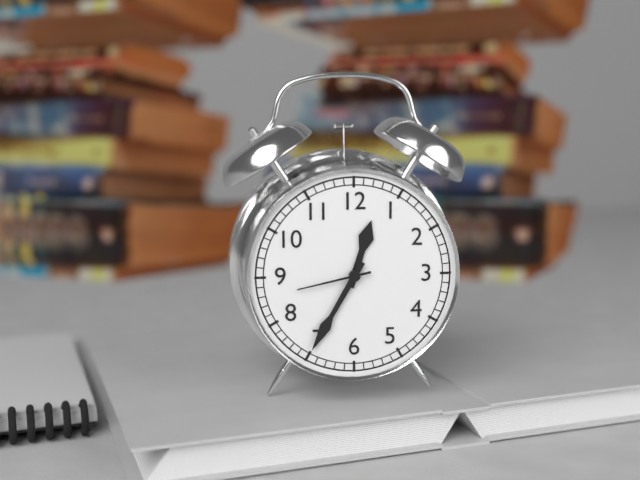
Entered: 12,35,43
